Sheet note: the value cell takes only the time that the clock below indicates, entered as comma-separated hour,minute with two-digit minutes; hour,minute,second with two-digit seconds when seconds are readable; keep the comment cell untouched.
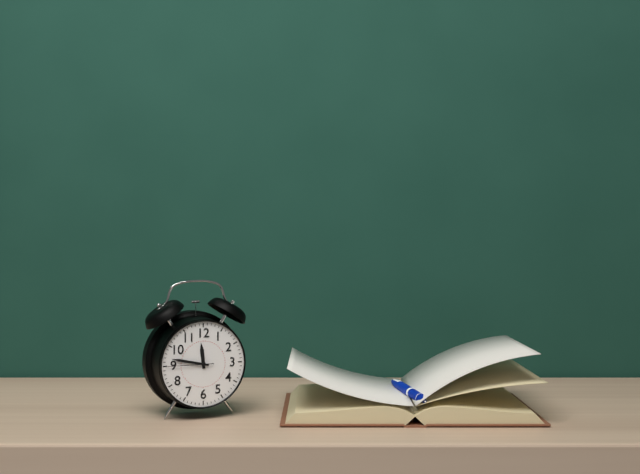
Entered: 11,47
